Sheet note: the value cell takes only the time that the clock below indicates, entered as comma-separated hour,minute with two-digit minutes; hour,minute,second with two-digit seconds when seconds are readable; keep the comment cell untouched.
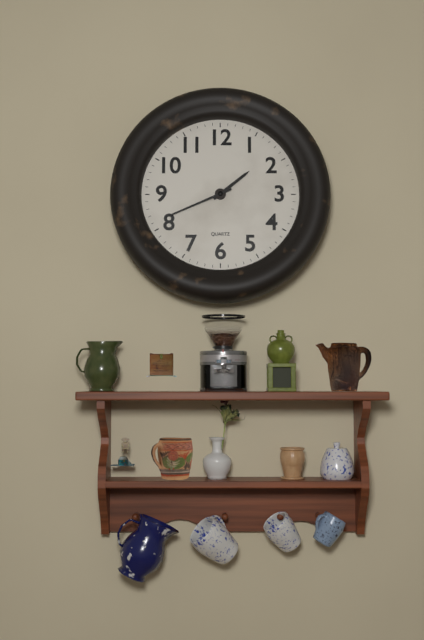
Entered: 1,41
